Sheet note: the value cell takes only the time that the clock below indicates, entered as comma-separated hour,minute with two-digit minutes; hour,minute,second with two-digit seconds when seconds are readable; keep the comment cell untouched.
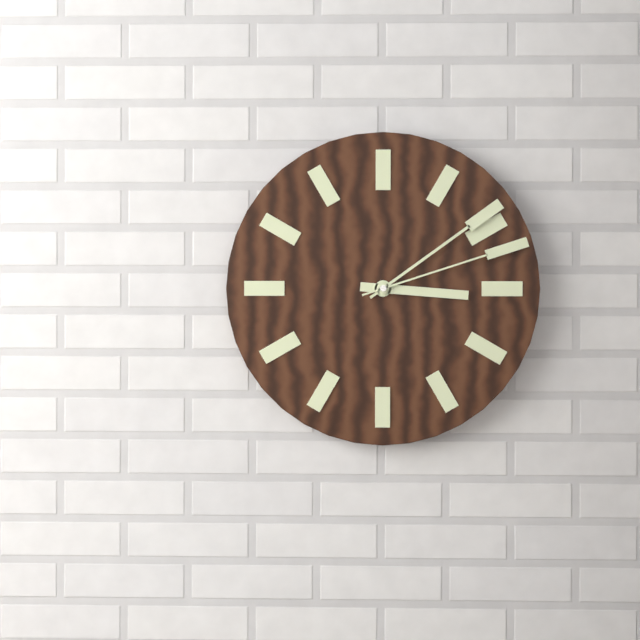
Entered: 3,09,12
